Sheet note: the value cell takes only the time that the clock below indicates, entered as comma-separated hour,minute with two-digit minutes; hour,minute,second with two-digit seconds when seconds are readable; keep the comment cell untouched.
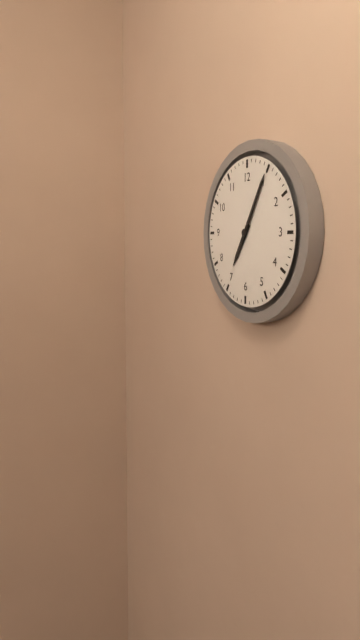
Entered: 7,05
